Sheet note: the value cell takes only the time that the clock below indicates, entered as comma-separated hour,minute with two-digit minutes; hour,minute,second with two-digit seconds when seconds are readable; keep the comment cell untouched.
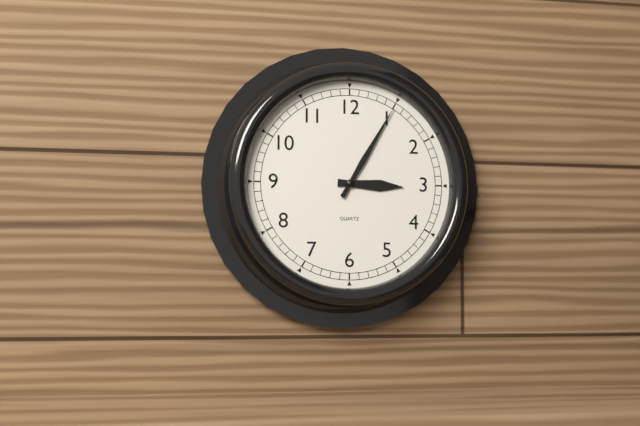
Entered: 3,05
